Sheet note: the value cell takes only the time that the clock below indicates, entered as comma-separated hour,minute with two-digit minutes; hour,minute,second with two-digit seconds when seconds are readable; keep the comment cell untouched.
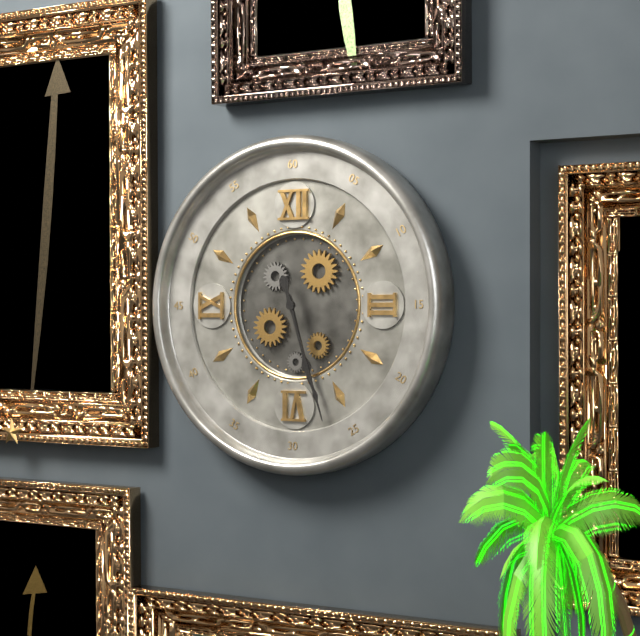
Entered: 5,27
